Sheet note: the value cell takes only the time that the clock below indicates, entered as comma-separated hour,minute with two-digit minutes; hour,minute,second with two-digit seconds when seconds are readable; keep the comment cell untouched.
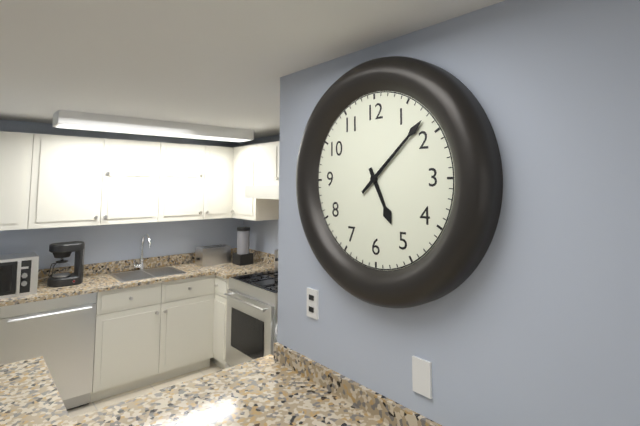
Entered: 5,08
